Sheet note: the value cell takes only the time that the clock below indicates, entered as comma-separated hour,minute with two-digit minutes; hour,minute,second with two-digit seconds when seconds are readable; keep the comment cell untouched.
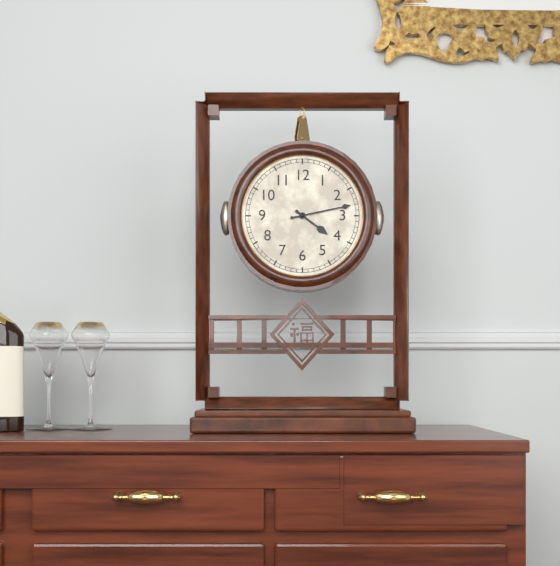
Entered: 4,13
